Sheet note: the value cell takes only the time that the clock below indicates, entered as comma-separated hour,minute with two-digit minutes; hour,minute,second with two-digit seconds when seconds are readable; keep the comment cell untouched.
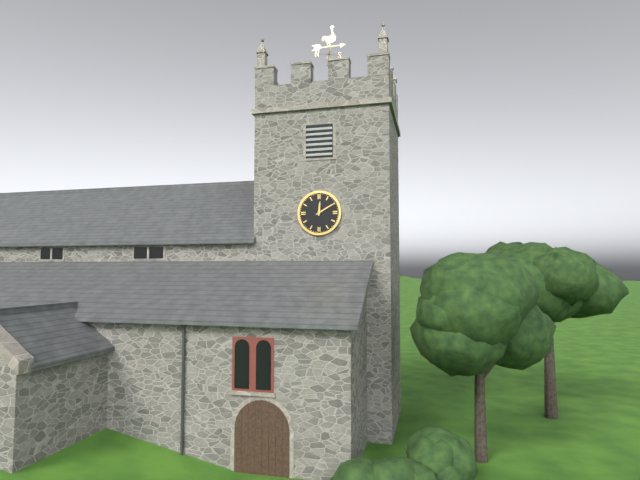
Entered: 12,10
